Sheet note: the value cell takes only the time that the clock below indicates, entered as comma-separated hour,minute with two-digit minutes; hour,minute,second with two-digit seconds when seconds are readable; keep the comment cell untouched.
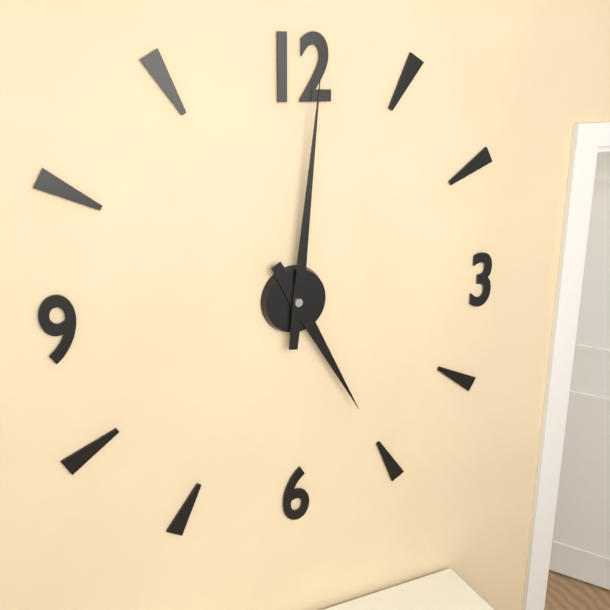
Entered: 5,01
